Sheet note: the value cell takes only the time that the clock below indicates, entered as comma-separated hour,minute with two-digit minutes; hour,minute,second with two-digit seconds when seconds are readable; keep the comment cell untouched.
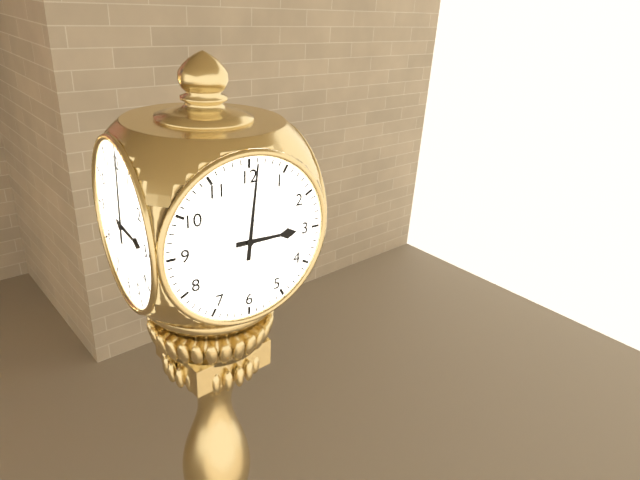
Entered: 3,01
